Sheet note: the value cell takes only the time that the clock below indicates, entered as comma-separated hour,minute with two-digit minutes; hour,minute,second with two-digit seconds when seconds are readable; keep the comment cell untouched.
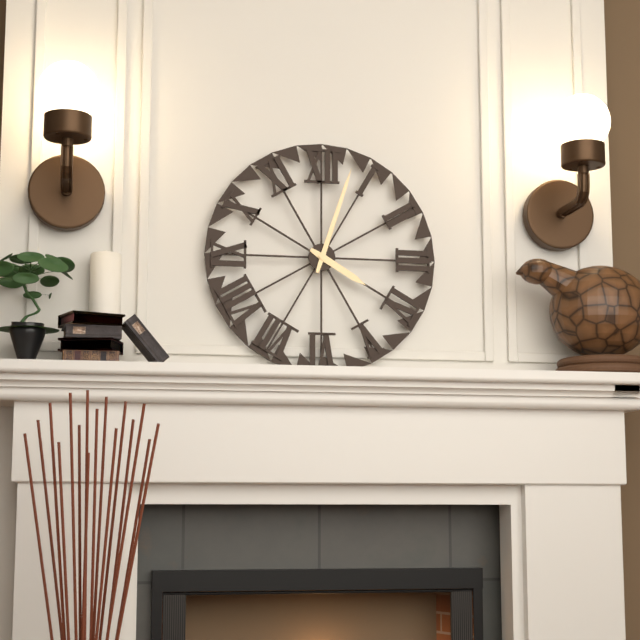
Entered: 4,03
